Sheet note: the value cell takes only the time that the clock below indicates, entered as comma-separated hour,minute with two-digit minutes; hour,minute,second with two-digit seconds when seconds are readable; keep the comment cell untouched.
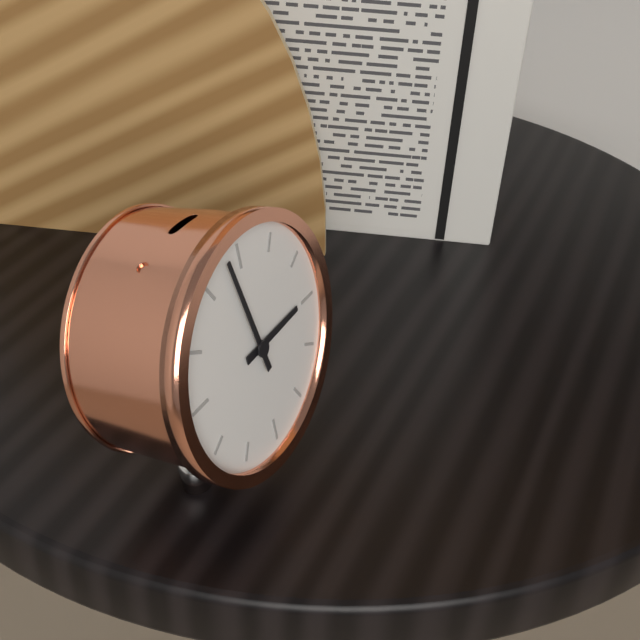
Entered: 2,58
